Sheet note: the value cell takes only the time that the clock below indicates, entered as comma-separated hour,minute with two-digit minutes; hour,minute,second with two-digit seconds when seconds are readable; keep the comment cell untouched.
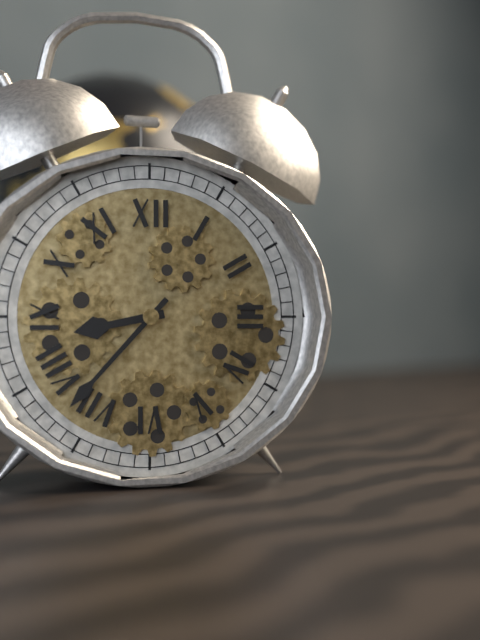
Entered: 8,37
